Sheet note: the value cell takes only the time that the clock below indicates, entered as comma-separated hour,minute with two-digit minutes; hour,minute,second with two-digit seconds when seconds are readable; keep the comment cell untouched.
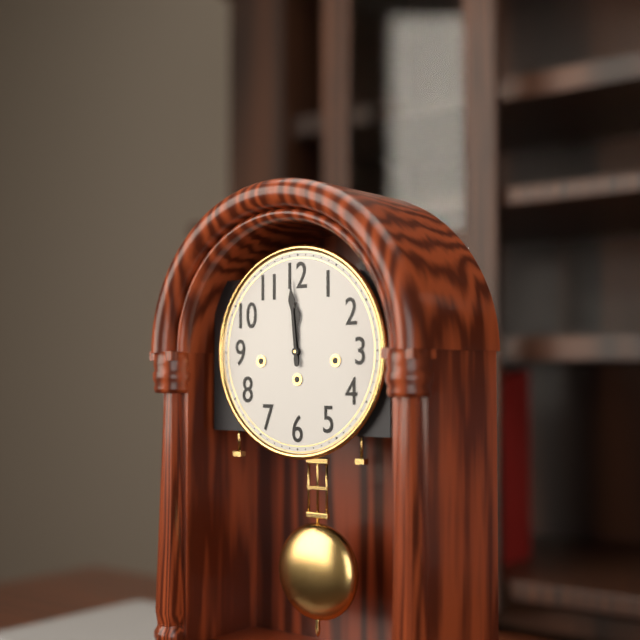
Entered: 11,59
